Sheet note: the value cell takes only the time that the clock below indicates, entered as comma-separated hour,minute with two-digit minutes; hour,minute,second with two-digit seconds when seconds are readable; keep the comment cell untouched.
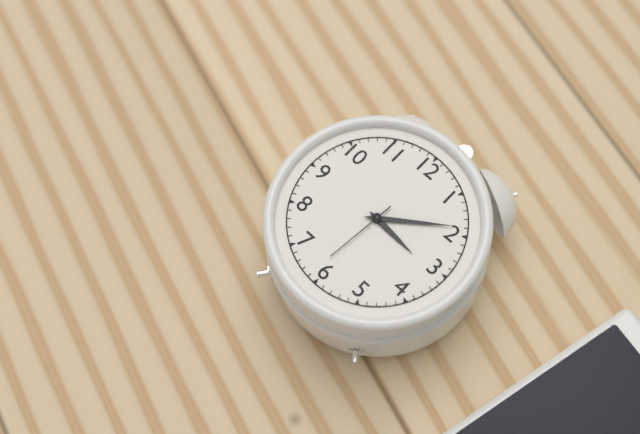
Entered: 3,09,31
